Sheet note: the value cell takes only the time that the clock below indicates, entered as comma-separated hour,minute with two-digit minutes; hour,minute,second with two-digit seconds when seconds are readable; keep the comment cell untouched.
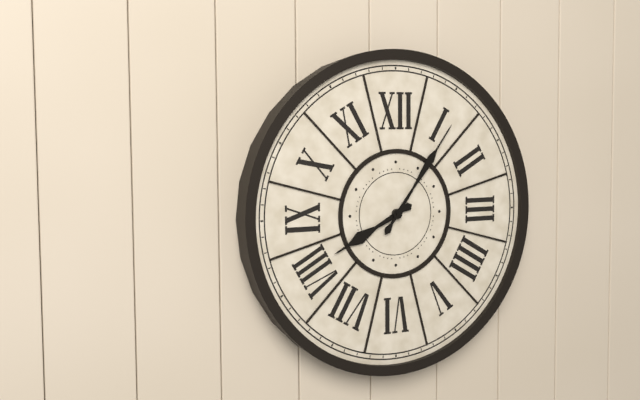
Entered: 8,06
